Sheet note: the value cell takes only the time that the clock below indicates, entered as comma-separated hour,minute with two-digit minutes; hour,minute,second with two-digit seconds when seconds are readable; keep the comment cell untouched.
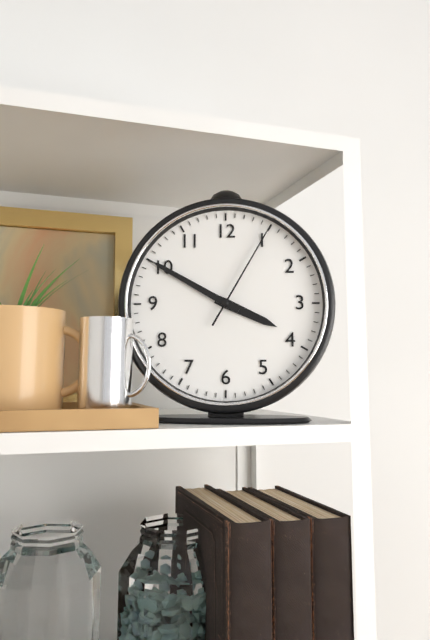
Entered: 3,50,05
